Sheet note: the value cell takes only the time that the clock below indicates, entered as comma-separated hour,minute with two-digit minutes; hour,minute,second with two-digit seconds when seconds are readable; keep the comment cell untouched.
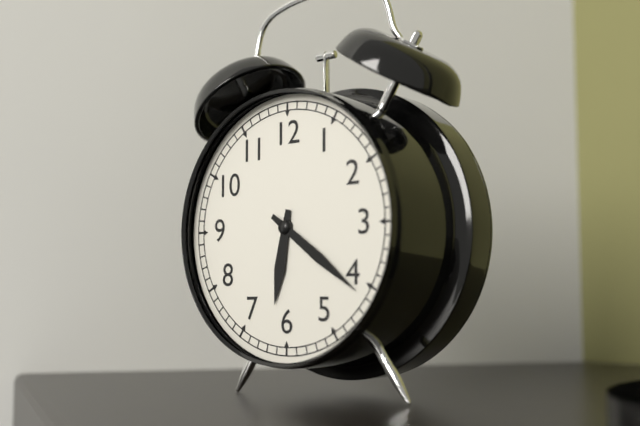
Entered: 6,21
